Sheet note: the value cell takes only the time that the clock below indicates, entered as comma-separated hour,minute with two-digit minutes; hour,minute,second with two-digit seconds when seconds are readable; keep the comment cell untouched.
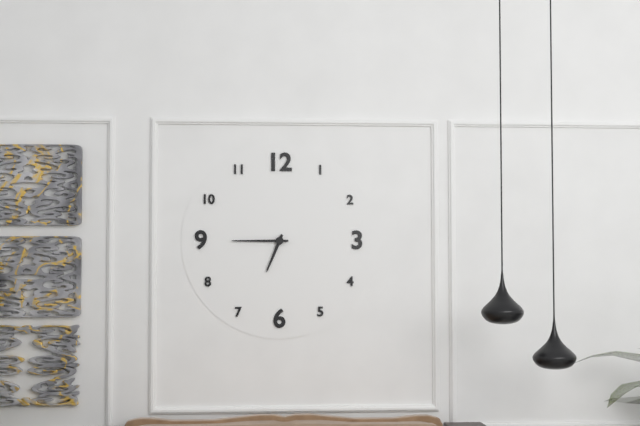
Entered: 6,45
